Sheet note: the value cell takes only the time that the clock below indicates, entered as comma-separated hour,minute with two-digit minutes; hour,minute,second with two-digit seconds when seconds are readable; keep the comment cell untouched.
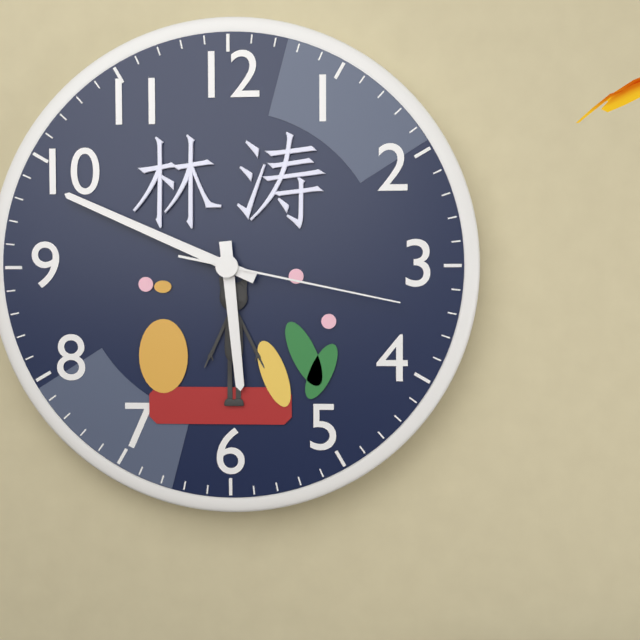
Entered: 5,49,17
